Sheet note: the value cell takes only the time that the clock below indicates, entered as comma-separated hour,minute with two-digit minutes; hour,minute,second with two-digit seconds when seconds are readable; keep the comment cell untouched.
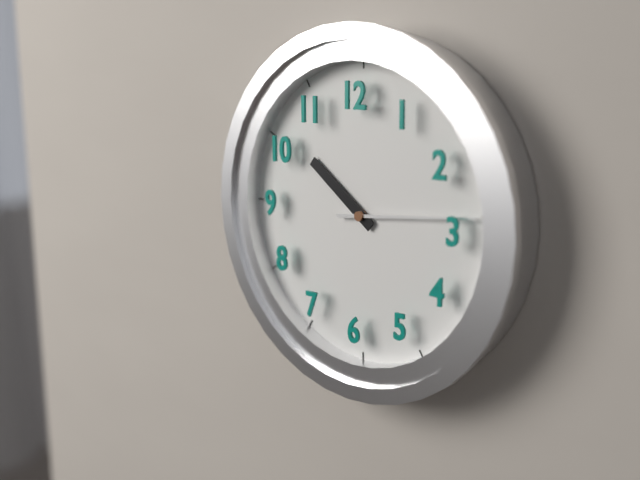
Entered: 10,14
